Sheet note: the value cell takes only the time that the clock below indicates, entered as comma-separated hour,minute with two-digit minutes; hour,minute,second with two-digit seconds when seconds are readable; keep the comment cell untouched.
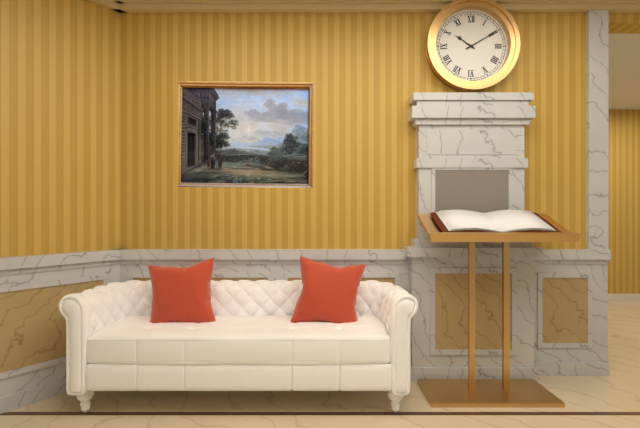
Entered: 10,10
